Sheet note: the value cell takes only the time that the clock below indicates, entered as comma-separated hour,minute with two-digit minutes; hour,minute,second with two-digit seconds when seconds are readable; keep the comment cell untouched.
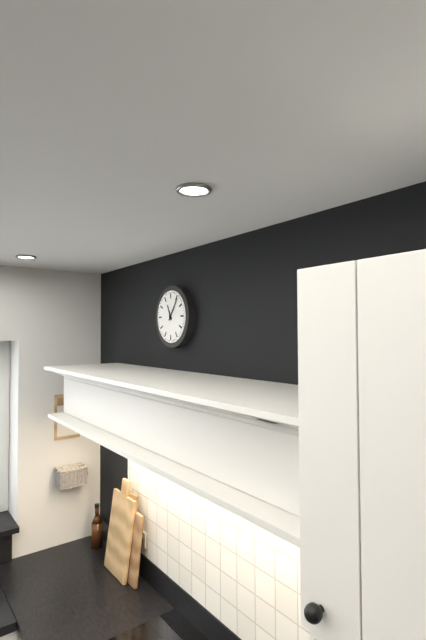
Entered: 11,06
